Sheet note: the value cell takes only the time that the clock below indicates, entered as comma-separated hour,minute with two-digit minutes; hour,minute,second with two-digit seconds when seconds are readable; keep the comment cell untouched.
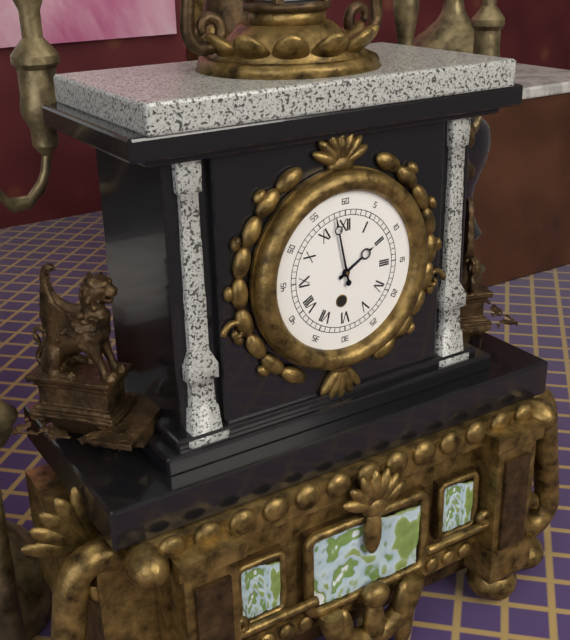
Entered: 1,58
